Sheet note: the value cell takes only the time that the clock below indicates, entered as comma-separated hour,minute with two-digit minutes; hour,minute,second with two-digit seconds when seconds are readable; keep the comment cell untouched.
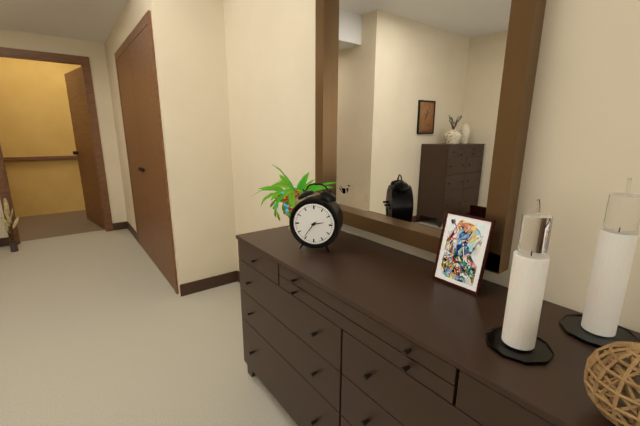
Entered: 2,36
